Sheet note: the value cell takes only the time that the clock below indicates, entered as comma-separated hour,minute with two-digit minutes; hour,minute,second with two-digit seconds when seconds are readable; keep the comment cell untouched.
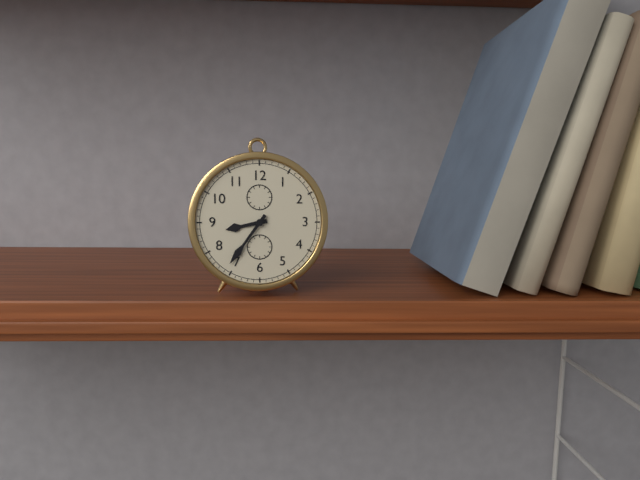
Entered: 8,36
